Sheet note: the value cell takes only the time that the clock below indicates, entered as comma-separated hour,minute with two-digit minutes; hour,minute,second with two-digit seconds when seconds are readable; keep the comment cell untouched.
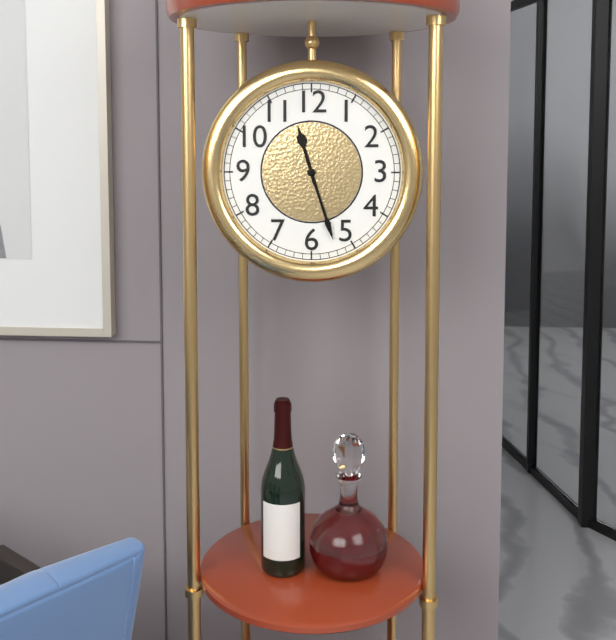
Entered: 11,27
